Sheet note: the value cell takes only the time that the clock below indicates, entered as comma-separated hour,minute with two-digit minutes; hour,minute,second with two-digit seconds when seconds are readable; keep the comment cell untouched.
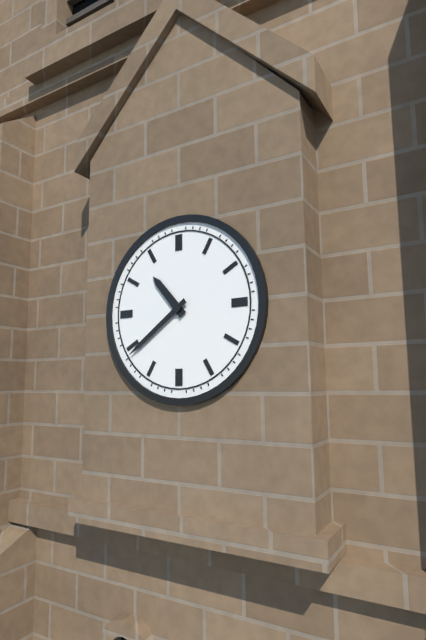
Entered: 10,39
